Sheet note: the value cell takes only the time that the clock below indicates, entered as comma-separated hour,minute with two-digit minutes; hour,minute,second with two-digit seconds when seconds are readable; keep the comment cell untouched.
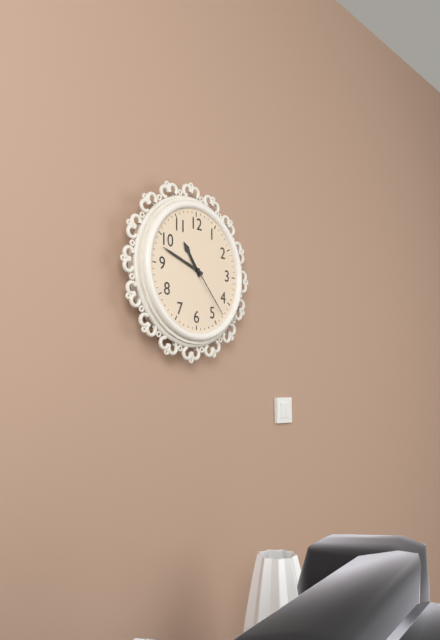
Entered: 10,48,23
